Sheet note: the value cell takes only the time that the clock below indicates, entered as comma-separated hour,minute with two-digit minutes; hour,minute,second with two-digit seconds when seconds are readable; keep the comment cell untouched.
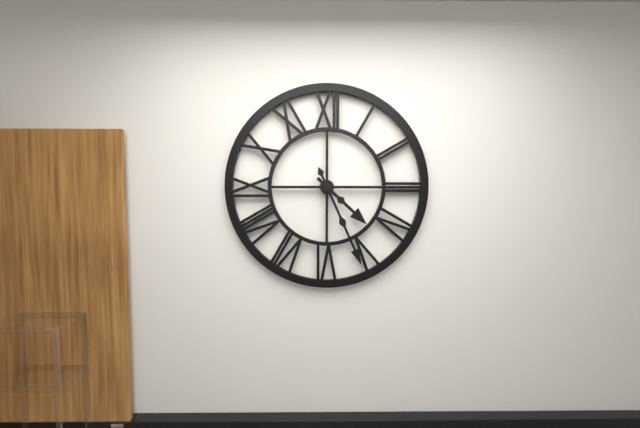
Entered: 4,26
